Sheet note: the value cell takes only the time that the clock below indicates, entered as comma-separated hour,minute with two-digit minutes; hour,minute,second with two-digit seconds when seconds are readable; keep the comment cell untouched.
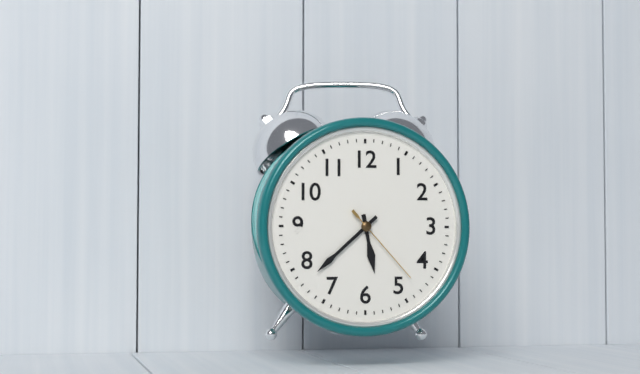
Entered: 5,38,23
